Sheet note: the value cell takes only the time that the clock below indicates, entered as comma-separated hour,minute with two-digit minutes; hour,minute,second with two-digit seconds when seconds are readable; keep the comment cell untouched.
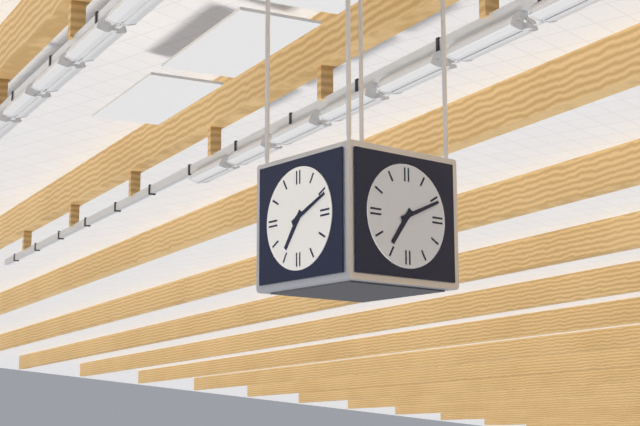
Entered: 7,11
